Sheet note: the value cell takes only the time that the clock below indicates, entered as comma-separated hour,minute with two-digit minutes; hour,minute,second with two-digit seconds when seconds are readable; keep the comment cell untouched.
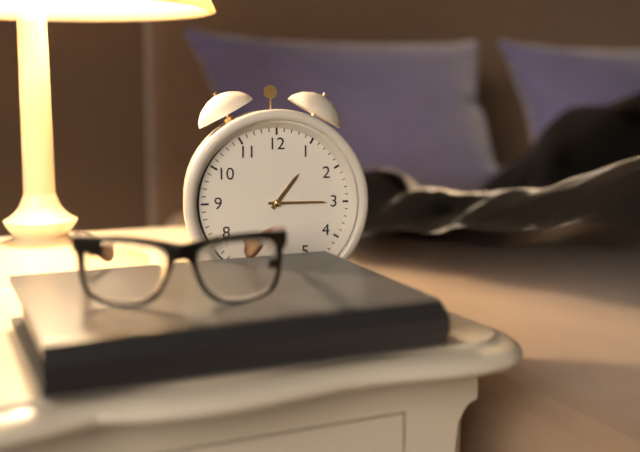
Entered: 1,15
